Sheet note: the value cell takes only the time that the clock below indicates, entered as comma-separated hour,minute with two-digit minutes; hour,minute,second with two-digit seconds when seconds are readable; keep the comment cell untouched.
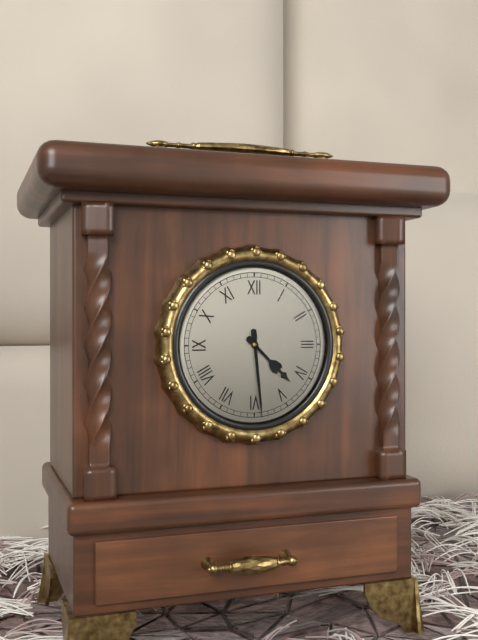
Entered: 4,29
